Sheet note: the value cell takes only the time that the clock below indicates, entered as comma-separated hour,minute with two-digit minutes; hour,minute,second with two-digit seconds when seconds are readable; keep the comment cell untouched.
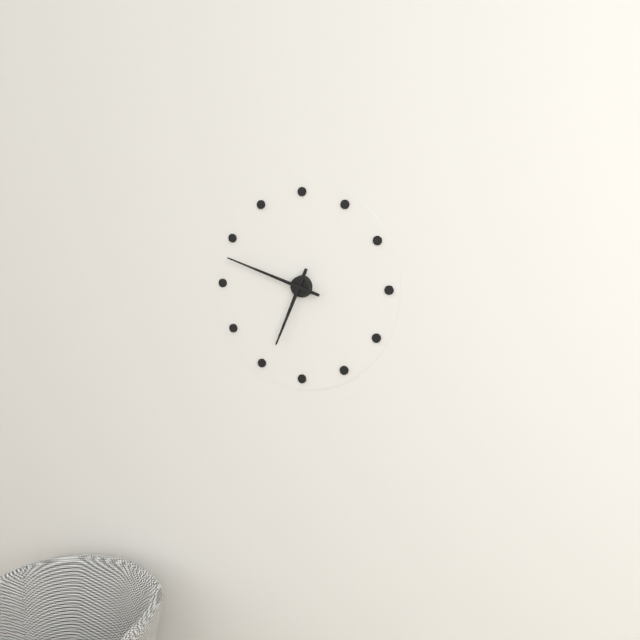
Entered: 6,48
